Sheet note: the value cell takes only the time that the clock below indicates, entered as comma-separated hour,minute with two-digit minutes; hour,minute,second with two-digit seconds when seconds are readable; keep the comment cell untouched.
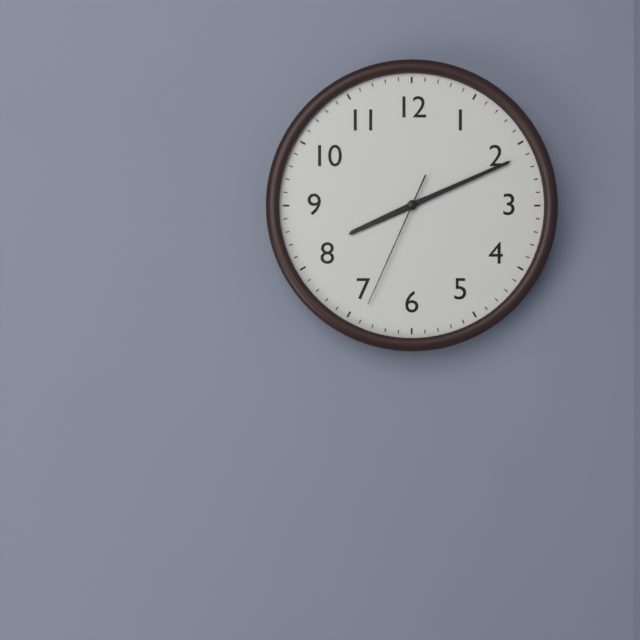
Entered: 8,11,34
